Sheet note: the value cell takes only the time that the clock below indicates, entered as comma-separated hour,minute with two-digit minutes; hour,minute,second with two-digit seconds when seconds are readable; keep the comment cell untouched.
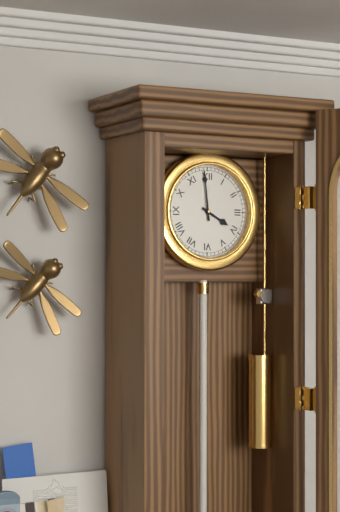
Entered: 3,59
